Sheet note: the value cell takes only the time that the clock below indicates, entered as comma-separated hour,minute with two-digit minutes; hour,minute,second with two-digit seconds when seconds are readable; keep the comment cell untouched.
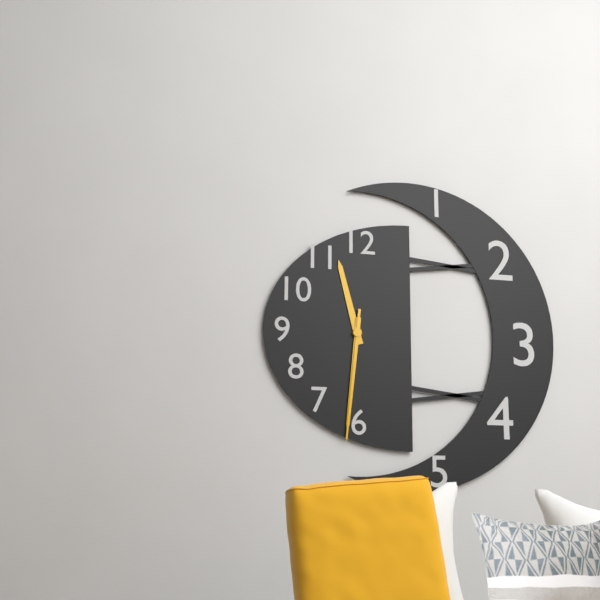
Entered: 11,31,31
